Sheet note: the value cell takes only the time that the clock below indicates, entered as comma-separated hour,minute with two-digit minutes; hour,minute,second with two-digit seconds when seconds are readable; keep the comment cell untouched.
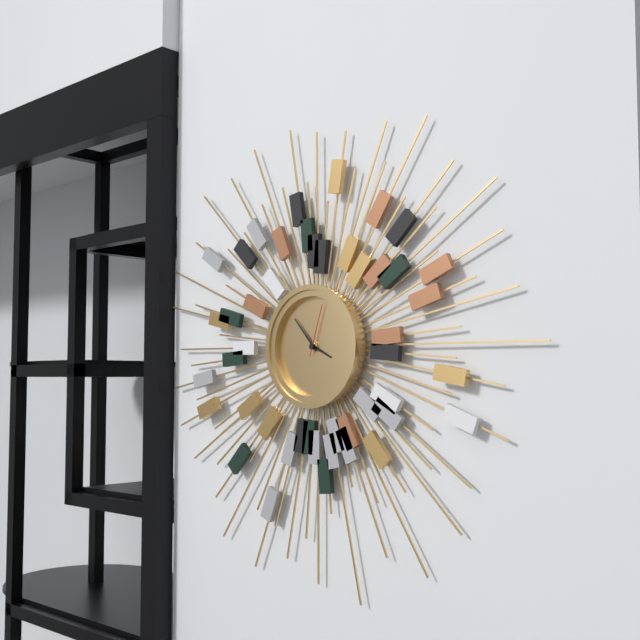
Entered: 3,53,03
